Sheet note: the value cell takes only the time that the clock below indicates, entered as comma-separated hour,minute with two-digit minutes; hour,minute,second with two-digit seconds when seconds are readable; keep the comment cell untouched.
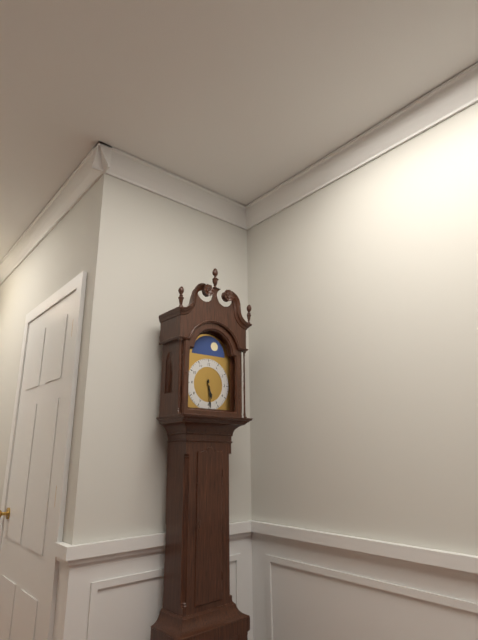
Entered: 5,29
